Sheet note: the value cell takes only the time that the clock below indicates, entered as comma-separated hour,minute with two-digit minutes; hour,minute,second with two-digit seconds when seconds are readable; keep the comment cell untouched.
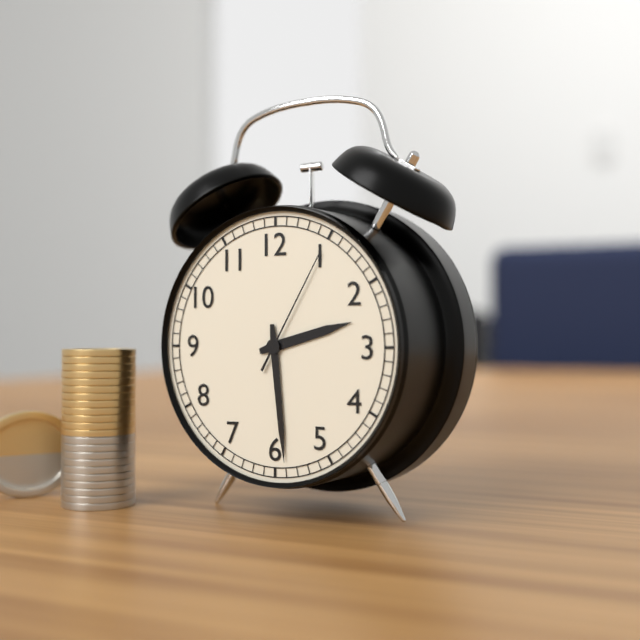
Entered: 2,29,05
